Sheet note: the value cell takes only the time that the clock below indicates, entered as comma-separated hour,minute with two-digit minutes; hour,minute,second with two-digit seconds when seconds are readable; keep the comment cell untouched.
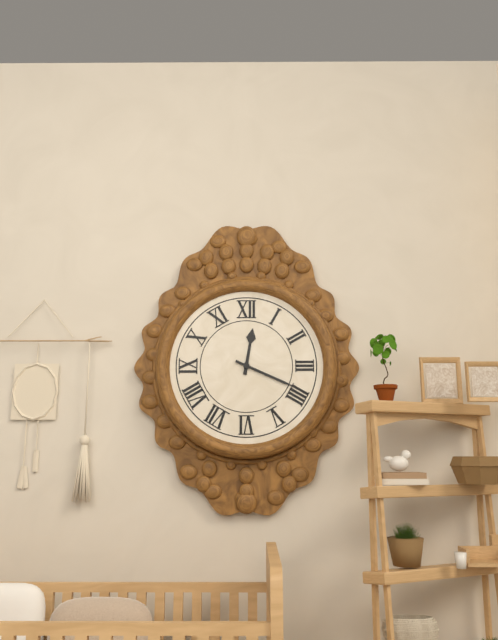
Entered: 12,19
